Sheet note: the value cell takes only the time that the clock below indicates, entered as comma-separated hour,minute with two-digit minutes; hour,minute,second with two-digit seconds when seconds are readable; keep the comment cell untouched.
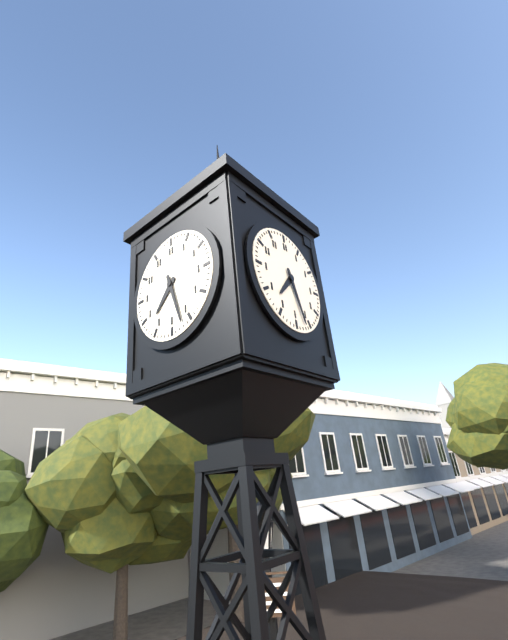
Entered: 7,27
